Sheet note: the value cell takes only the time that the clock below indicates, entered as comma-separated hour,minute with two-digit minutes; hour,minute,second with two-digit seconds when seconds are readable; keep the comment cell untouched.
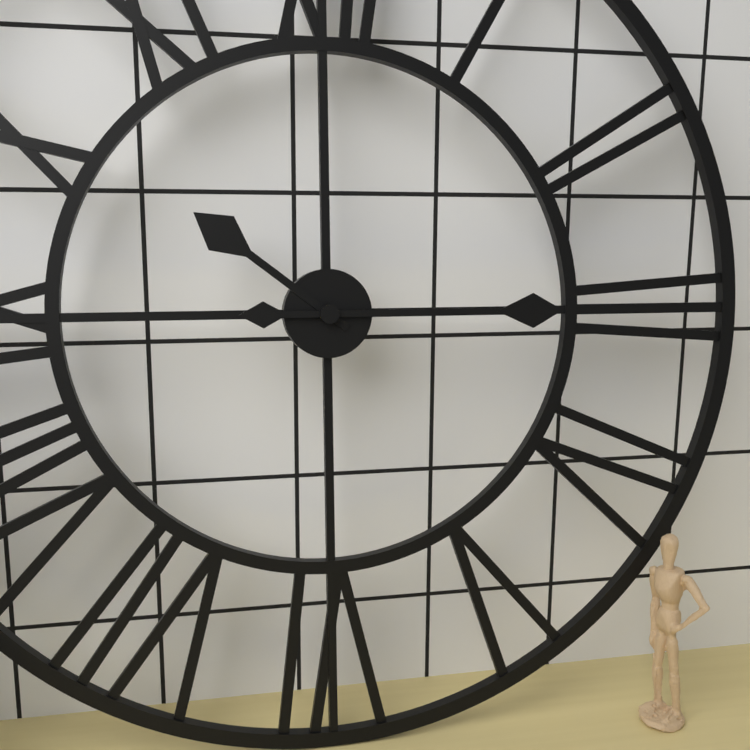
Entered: 10,15
